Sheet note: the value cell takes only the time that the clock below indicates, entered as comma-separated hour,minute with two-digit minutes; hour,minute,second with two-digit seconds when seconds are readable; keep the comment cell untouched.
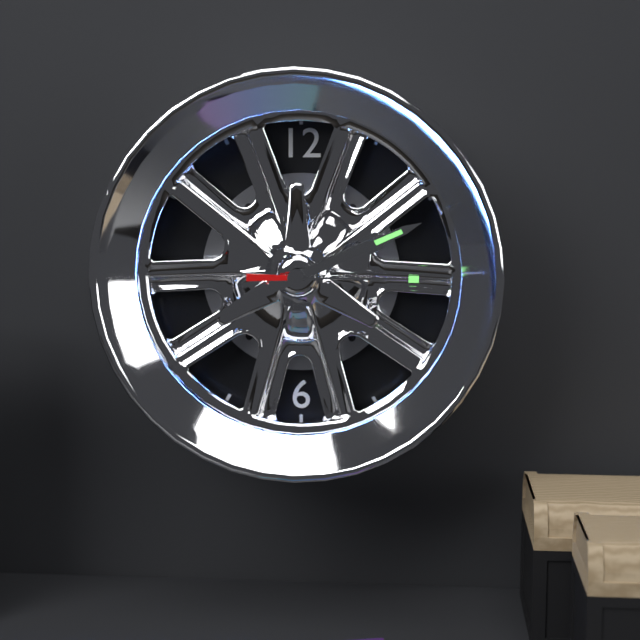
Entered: 2,11,15
